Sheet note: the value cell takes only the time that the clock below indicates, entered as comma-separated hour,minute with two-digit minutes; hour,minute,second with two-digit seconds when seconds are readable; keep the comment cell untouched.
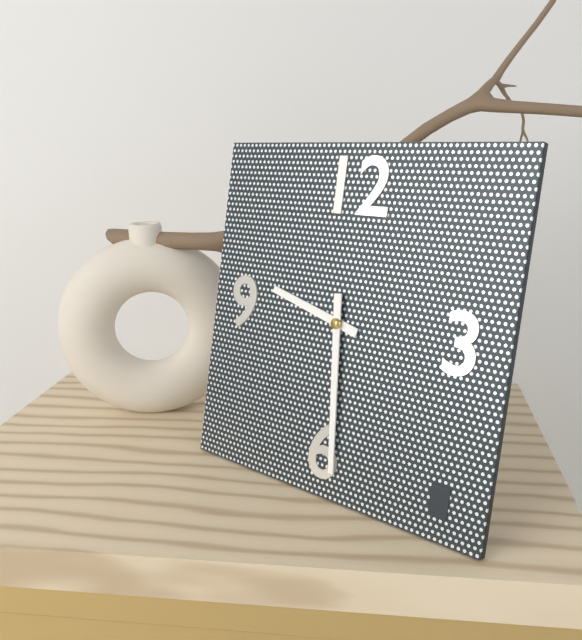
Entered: 9,29
